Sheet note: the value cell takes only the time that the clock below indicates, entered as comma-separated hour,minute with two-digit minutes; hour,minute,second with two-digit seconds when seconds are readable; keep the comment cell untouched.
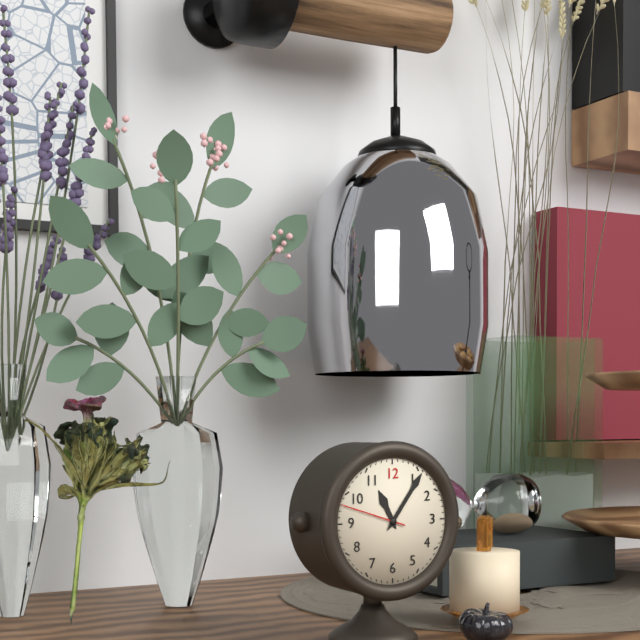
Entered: 11,06,48
